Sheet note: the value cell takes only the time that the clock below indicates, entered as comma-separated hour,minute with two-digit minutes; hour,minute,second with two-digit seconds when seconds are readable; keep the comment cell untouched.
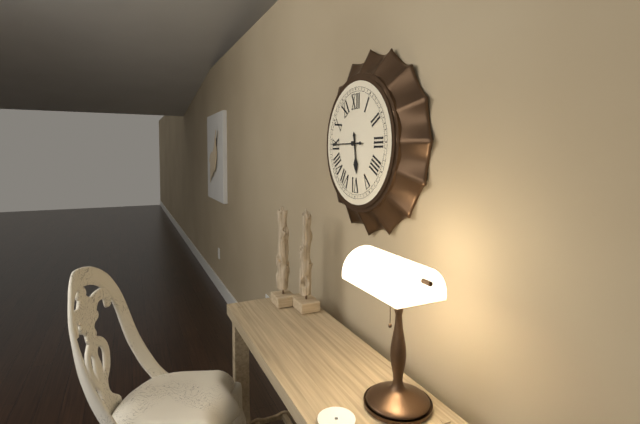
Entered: 5,45
